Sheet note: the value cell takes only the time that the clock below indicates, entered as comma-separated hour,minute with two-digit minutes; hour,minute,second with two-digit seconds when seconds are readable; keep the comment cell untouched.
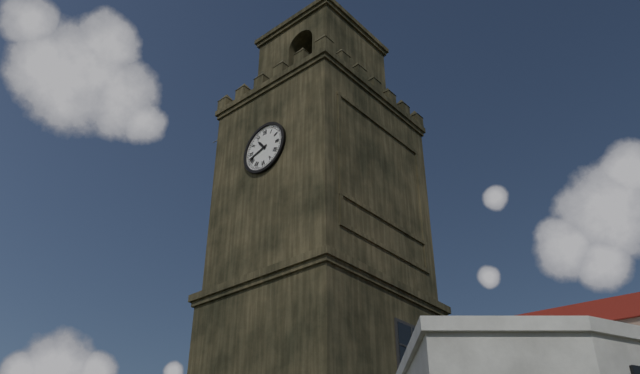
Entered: 10,42
